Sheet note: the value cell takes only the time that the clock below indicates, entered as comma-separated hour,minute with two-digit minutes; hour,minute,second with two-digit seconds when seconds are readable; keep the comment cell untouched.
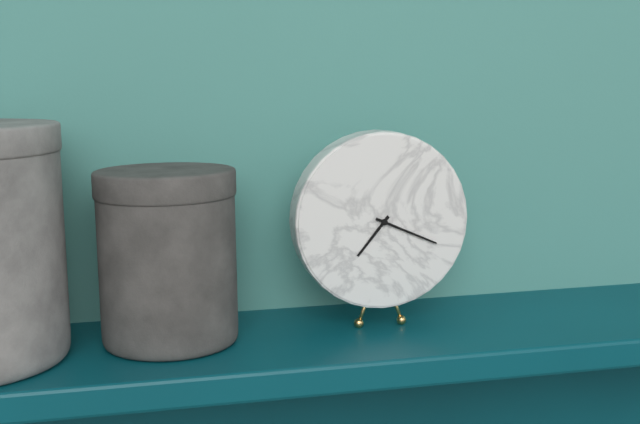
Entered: 7,19
